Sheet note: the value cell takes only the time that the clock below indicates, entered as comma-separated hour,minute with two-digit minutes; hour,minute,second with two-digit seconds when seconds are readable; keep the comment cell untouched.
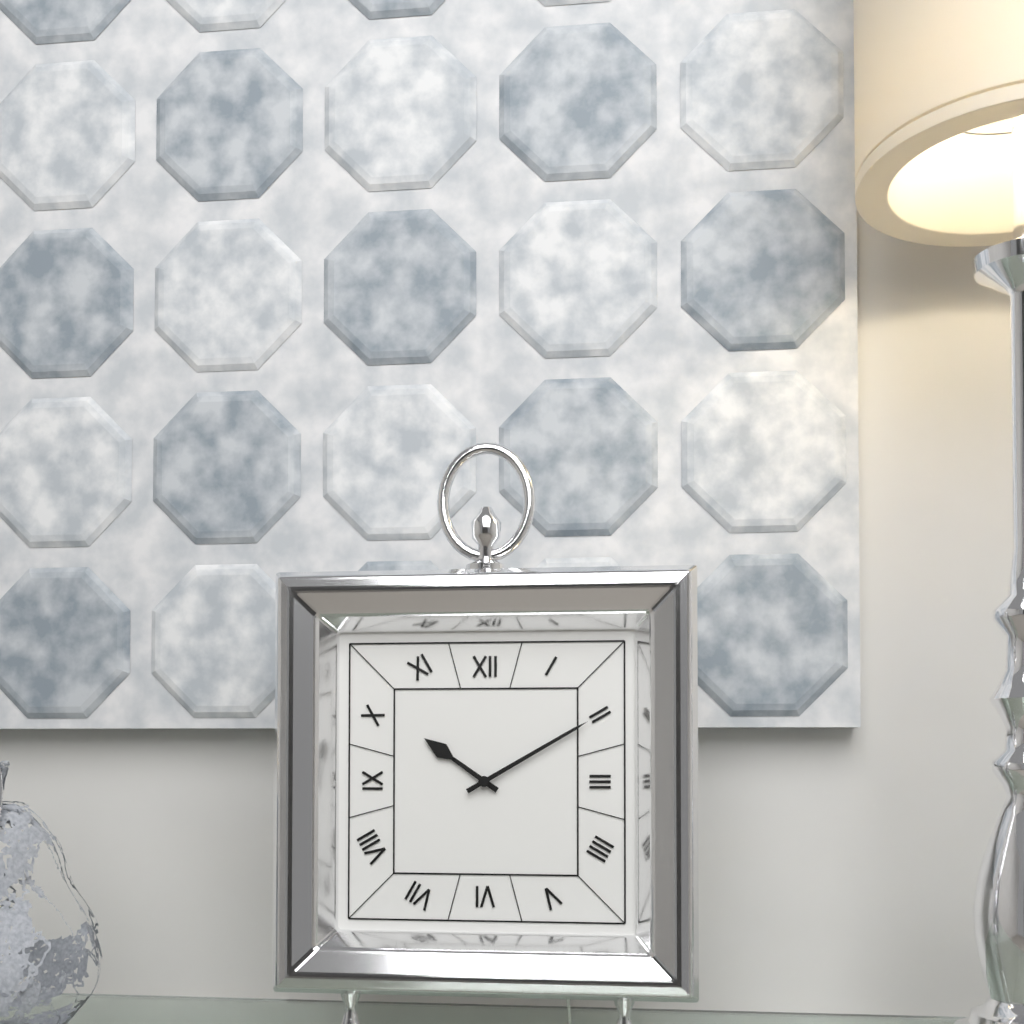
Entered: 10,10
